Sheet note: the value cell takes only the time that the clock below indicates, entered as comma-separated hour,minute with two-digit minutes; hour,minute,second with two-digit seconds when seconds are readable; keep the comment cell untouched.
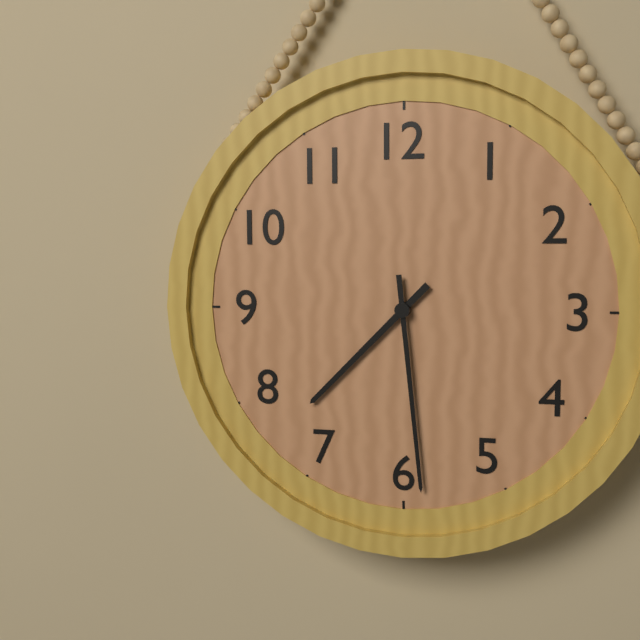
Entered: 7,29
